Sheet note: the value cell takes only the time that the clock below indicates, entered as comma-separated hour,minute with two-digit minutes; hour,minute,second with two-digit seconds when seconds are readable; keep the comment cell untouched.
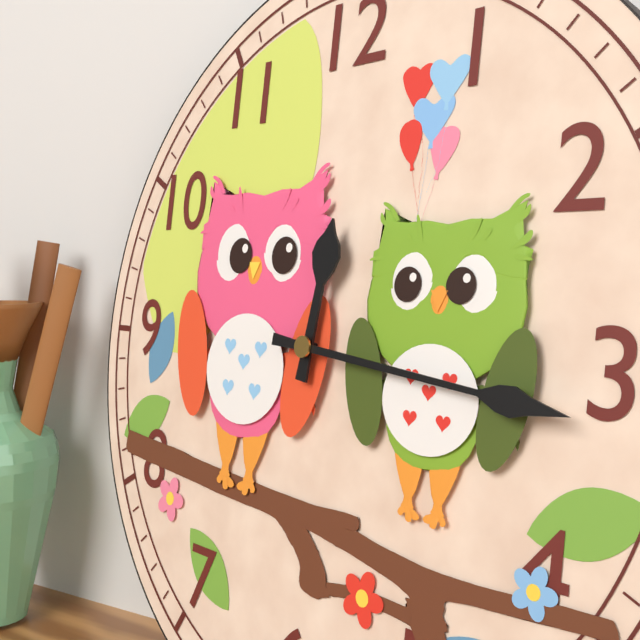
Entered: 12,16
